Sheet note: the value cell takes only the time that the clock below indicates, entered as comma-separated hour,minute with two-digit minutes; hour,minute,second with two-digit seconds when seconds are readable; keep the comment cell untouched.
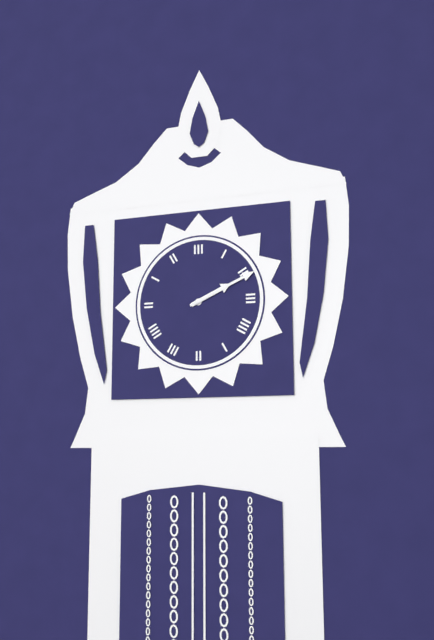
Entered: 2,11
